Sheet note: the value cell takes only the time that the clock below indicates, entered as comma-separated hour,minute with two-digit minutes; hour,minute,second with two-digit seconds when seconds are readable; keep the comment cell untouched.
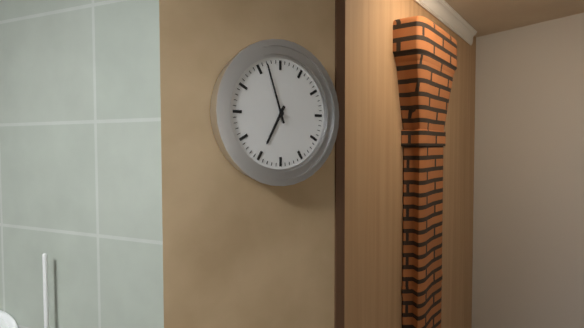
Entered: 6,57
